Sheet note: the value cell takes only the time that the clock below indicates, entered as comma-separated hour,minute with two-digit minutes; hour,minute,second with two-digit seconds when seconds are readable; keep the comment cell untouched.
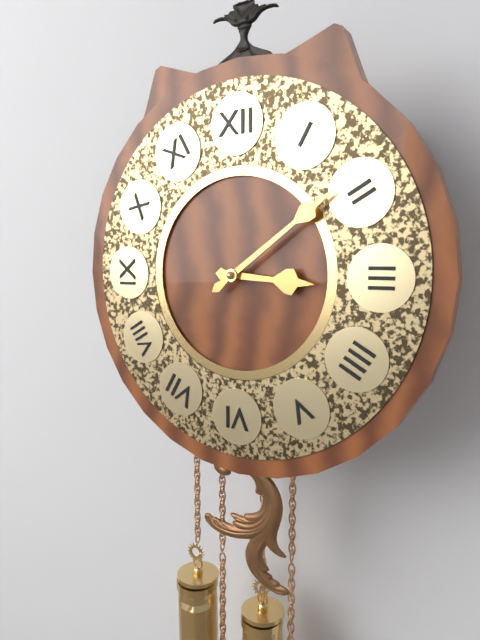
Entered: 3,09
